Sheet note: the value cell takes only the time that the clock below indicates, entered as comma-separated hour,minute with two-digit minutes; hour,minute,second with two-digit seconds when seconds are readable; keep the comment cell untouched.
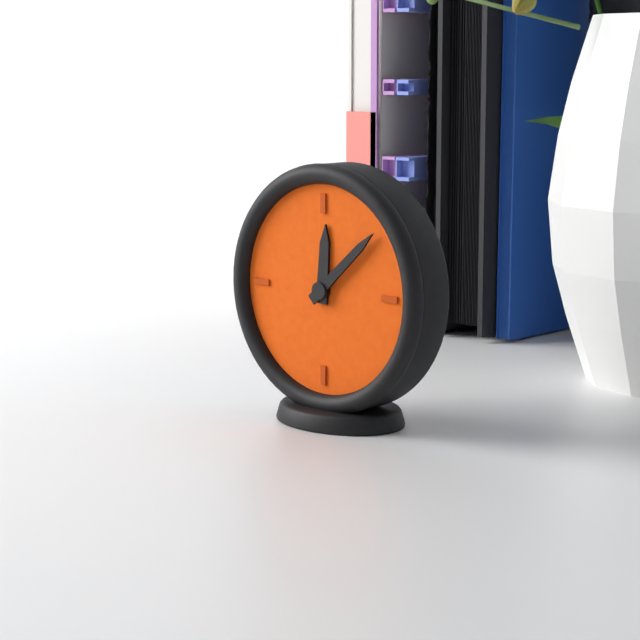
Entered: 12,08
